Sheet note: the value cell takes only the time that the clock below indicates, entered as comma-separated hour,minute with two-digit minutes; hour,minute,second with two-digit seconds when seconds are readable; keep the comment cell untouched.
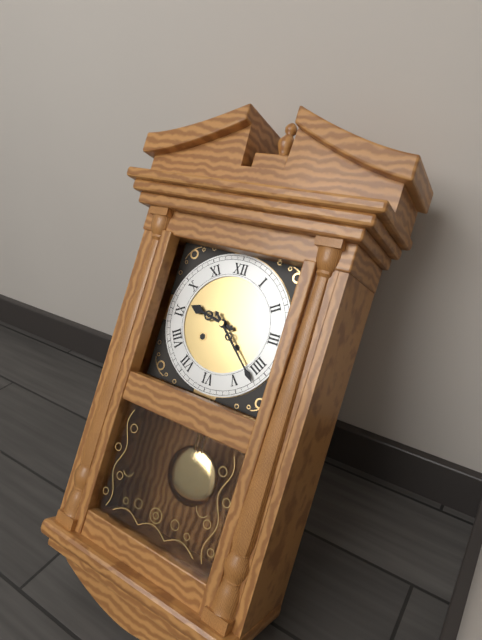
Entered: 9,22
